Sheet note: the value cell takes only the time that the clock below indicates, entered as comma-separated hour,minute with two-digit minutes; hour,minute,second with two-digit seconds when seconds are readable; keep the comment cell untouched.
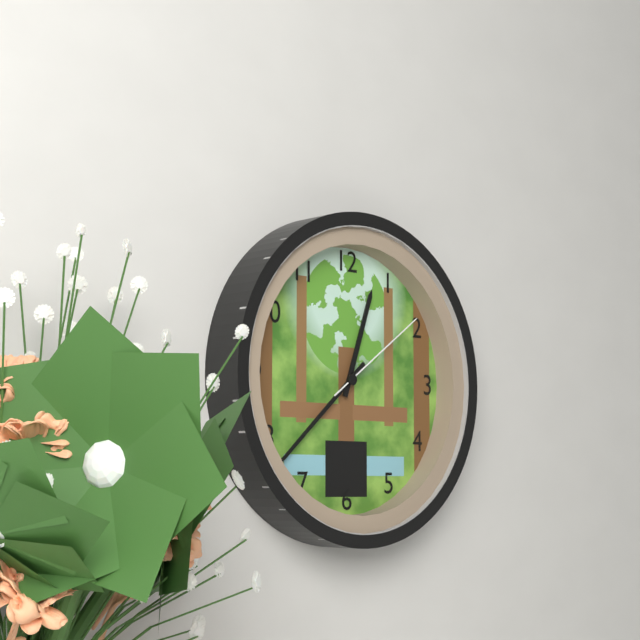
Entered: 12,38,09
